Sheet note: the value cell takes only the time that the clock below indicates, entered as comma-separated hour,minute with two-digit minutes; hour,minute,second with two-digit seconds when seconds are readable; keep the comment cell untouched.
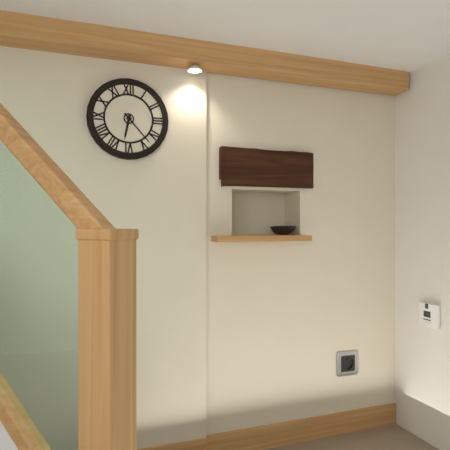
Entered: 6,23
